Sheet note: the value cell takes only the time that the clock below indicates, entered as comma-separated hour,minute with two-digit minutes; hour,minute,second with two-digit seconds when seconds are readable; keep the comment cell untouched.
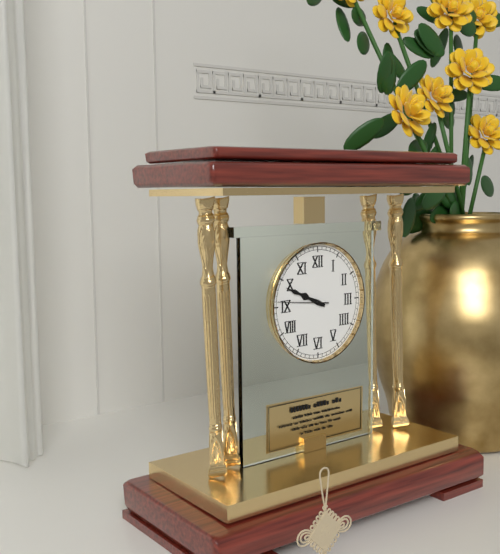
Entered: 9,49,46
